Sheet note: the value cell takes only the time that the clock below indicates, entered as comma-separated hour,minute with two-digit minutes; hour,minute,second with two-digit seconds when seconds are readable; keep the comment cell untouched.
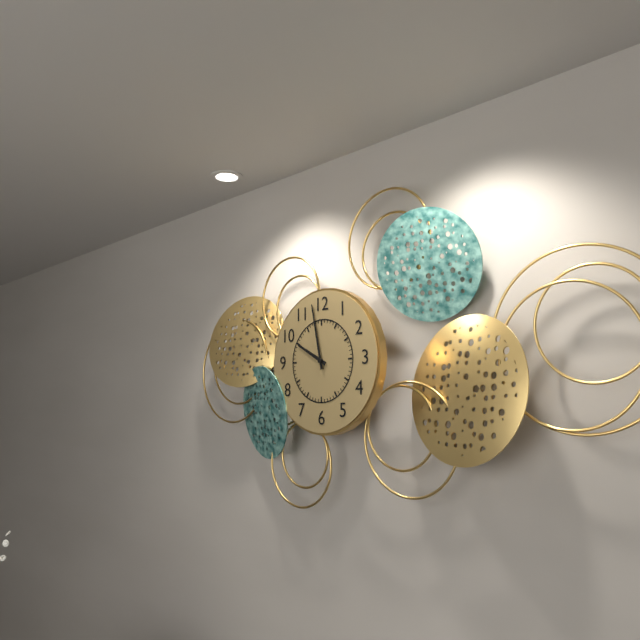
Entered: 9,58
